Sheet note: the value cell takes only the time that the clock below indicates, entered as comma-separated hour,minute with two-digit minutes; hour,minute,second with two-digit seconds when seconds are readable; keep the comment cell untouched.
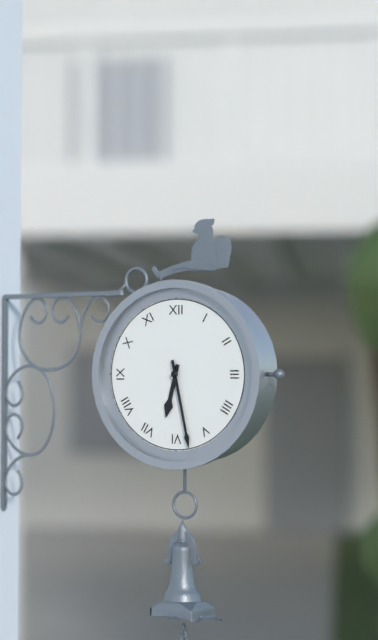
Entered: 6,28
